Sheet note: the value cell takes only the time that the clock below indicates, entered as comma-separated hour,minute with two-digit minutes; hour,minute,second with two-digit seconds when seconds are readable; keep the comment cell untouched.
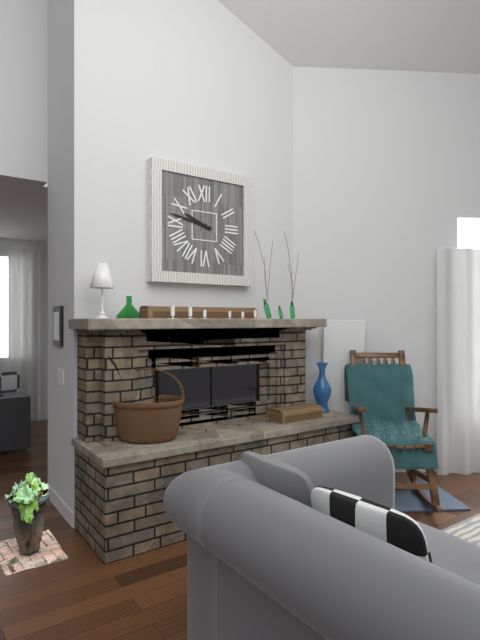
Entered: 9,47
